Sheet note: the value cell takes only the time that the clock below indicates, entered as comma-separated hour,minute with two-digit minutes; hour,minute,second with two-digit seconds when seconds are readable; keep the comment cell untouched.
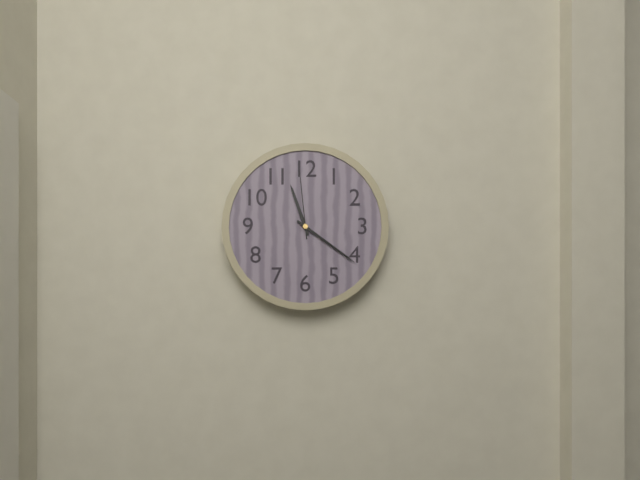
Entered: 11,21,59
